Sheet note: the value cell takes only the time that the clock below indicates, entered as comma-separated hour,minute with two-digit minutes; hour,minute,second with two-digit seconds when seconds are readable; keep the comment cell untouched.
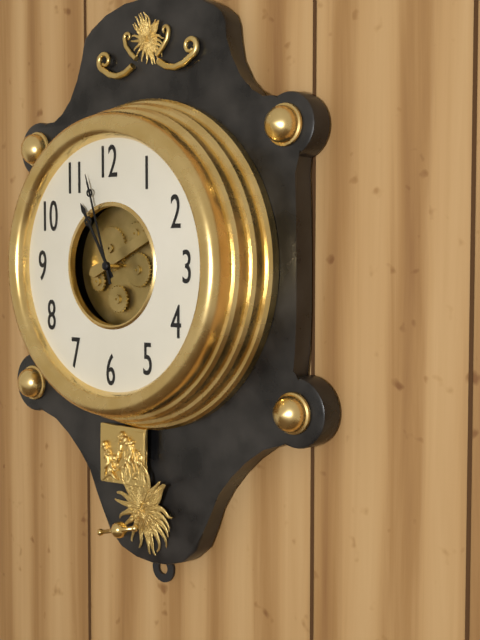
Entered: 10,57
